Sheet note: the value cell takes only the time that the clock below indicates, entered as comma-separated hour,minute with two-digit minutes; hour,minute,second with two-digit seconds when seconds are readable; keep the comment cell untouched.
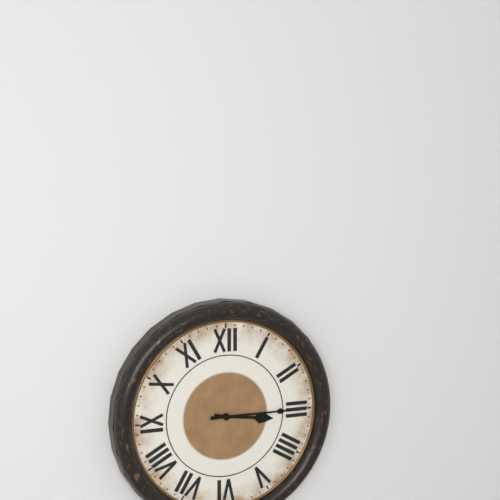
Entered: 3,15
